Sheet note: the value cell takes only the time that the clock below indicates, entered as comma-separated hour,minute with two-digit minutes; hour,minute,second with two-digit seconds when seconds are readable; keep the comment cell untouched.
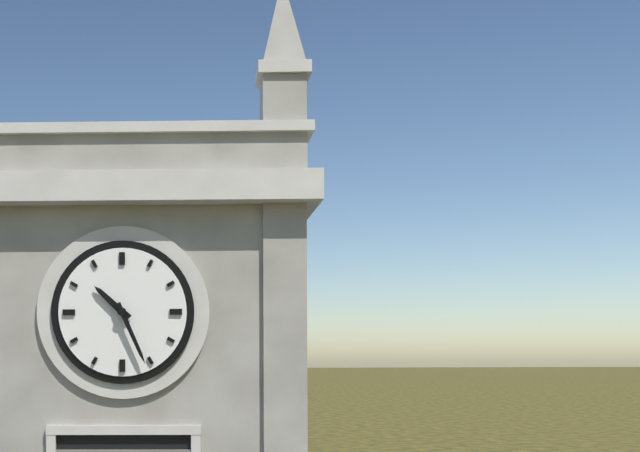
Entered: 10,26
